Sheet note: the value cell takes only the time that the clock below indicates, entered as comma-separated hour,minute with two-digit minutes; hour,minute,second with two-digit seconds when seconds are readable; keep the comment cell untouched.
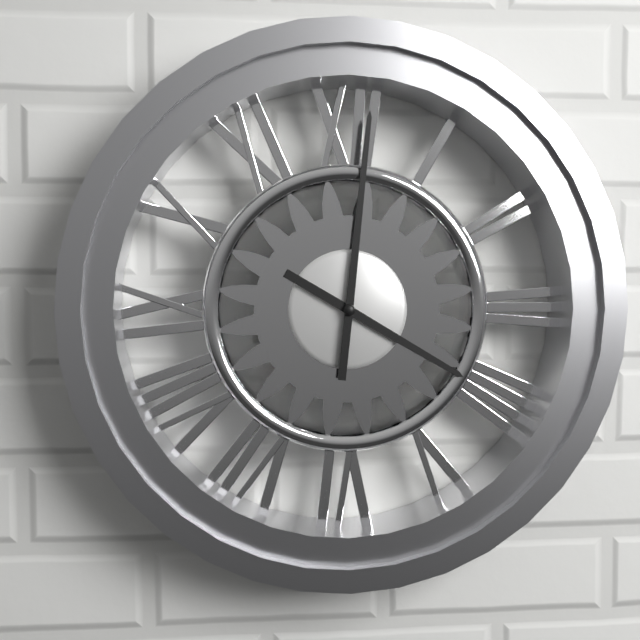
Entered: 4,01
